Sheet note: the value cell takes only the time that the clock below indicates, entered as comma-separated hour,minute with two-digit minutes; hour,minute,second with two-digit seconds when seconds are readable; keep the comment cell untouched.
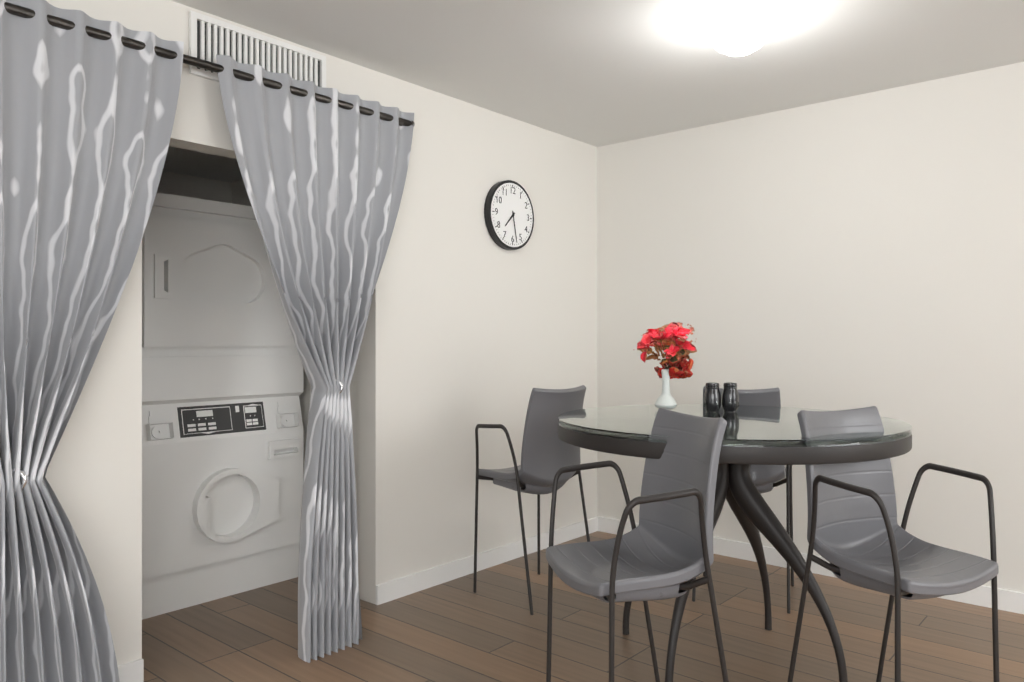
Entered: 7,28
